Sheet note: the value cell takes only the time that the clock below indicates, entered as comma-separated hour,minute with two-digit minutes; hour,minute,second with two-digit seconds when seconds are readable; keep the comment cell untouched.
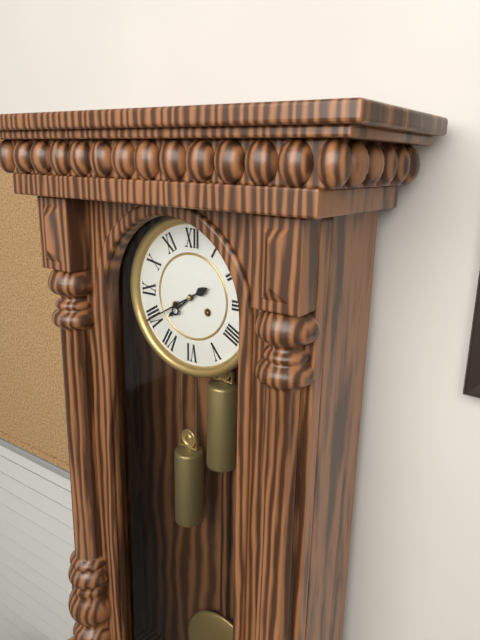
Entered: 7,40
